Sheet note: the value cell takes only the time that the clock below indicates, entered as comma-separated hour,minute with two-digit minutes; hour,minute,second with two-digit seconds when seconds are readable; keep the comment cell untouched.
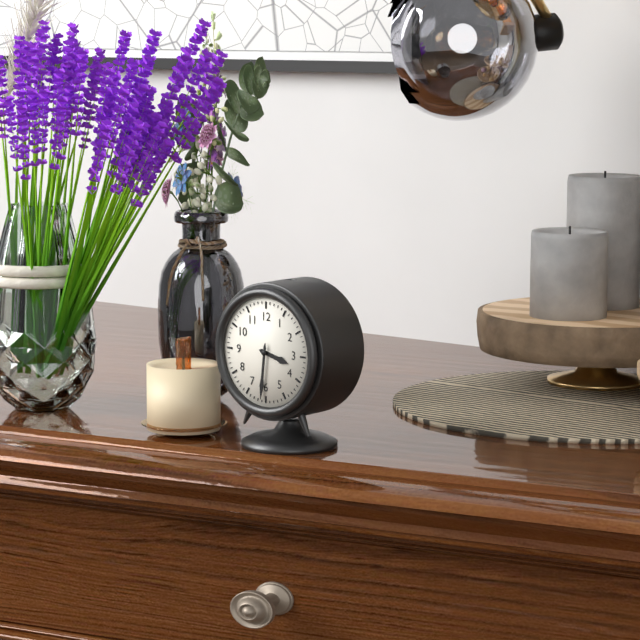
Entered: 3,31
